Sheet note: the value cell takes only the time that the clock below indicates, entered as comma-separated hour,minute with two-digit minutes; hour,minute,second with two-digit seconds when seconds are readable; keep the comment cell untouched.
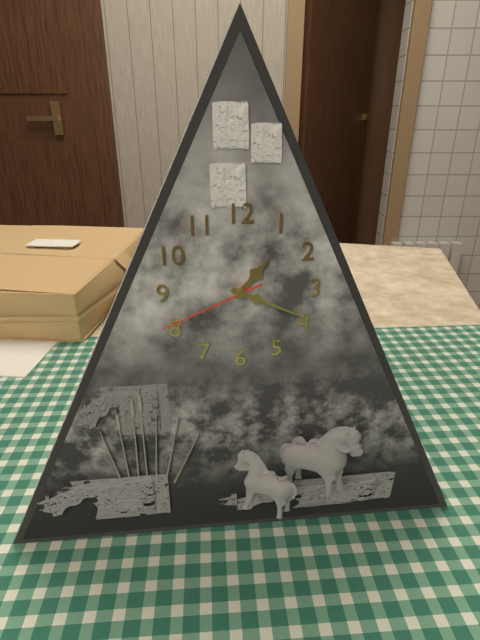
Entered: 1,19,41
